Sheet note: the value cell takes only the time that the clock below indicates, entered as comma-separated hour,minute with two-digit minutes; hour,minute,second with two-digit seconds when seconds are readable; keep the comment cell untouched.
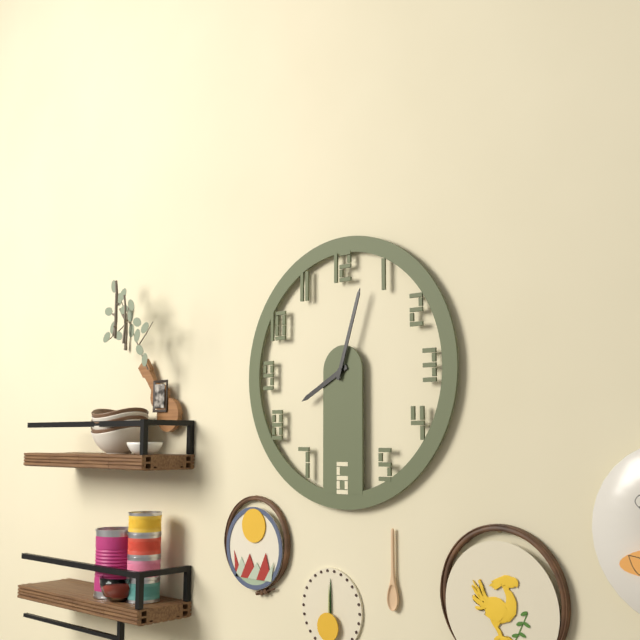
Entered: 8,03
